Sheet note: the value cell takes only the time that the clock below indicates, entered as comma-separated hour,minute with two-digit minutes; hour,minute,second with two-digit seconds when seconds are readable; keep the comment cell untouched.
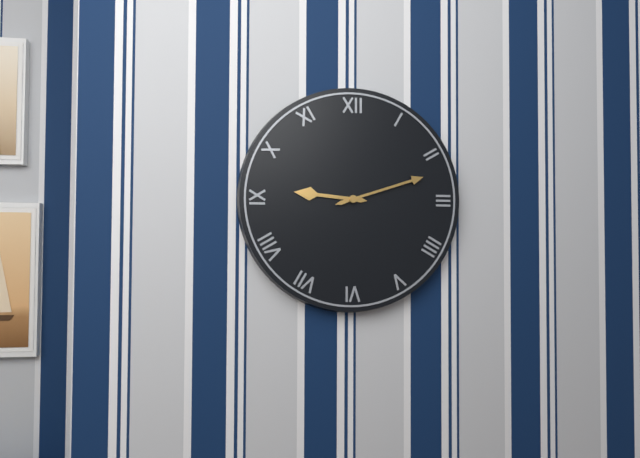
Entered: 9,12
